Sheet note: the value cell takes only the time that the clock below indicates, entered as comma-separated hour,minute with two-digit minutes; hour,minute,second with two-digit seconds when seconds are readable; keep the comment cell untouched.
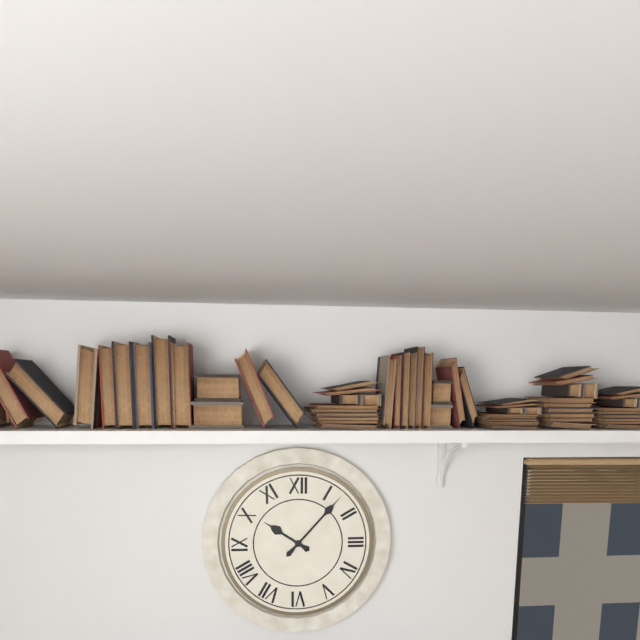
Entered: 10,07
